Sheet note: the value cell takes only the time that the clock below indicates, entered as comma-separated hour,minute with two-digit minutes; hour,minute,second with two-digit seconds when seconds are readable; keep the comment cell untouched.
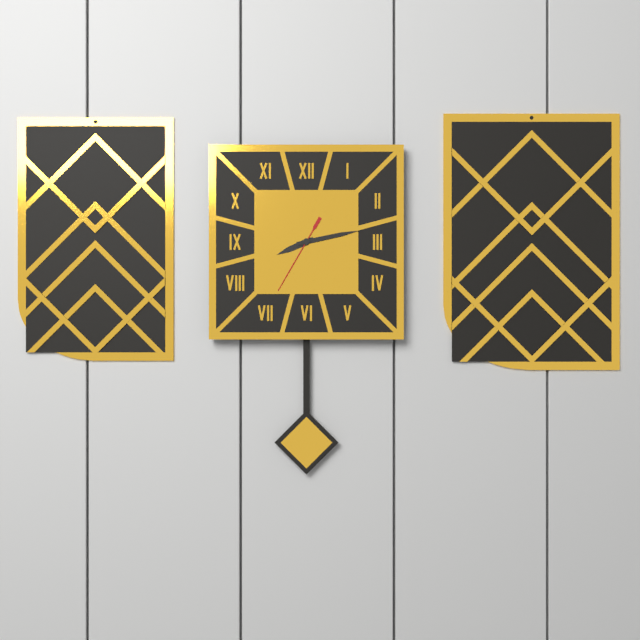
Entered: 8,13,35
